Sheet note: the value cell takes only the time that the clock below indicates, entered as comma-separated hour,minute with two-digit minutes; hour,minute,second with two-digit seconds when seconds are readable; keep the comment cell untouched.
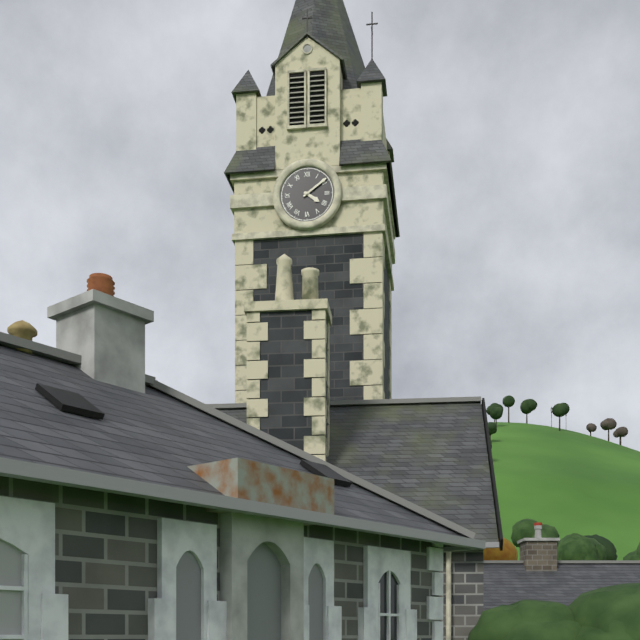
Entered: 4,09
